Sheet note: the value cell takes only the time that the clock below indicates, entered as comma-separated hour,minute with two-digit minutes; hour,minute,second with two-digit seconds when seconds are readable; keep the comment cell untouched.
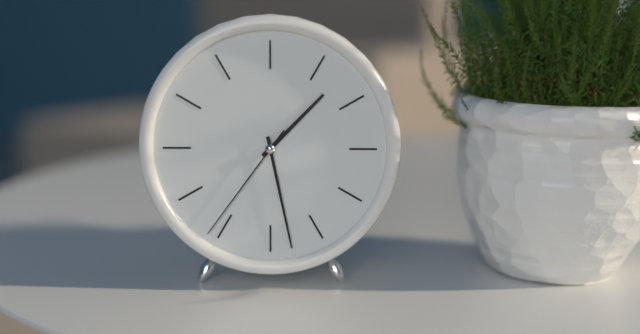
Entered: 1,28,36
